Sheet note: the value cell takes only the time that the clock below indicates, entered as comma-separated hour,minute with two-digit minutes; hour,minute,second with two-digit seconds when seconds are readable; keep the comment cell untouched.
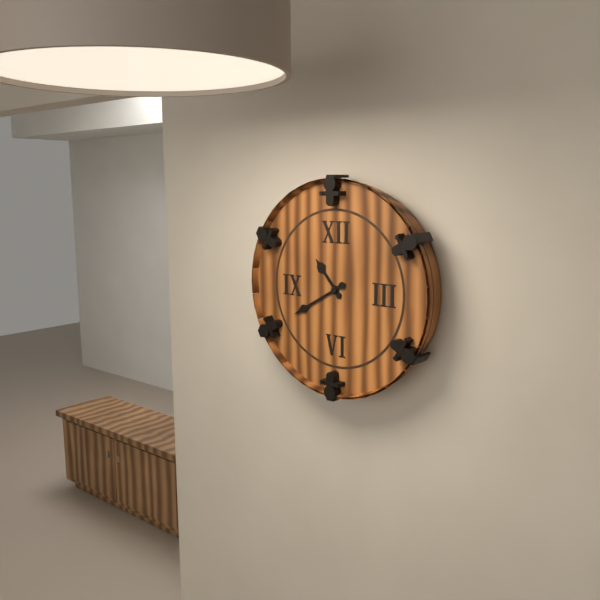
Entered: 10,40
